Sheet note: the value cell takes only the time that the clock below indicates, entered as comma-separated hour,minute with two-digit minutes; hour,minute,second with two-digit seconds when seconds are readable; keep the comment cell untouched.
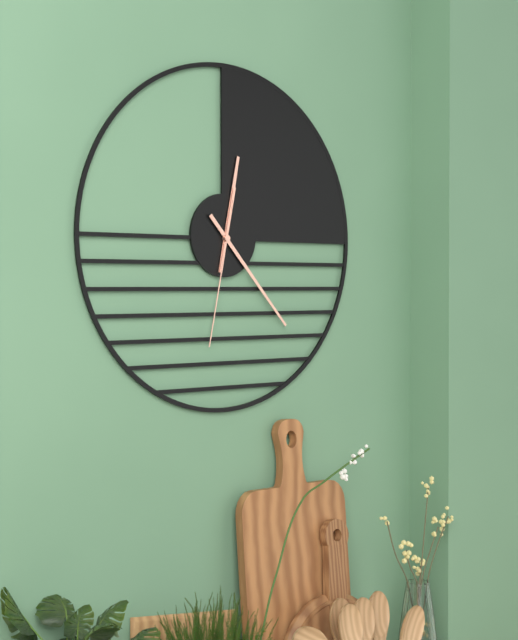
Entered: 12,23,32
